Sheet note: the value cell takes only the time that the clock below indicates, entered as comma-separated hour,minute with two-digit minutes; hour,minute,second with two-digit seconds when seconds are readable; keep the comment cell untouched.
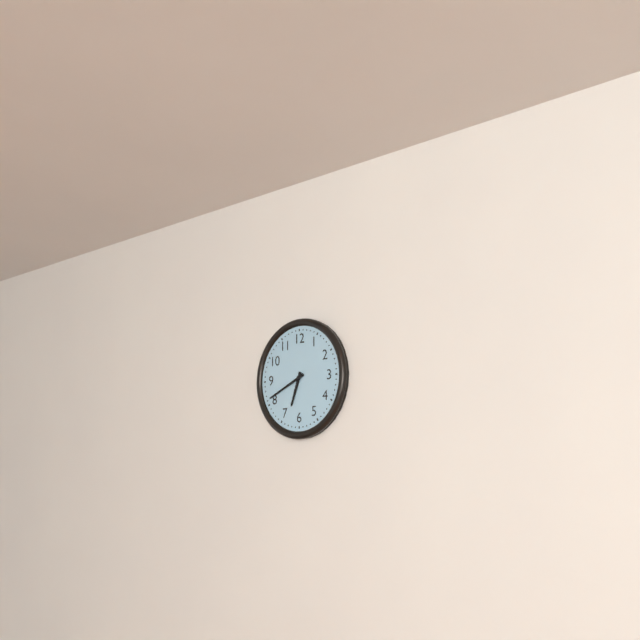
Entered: 6,41
